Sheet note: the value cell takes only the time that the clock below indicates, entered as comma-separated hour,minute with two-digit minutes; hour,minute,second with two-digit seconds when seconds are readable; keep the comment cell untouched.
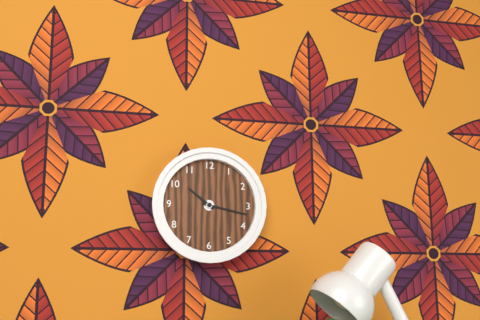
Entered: 10,17
